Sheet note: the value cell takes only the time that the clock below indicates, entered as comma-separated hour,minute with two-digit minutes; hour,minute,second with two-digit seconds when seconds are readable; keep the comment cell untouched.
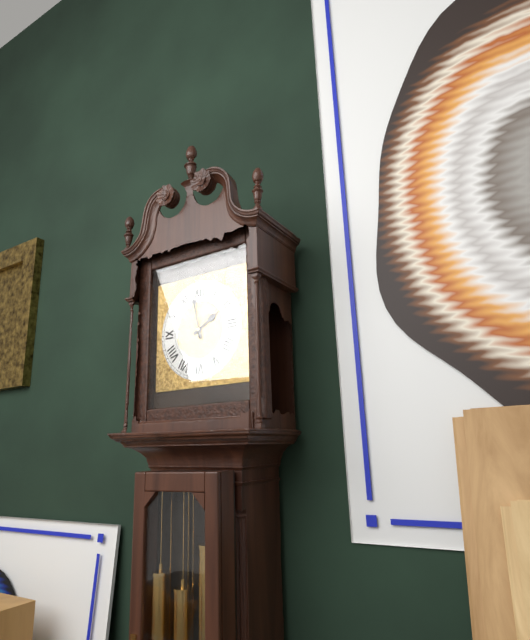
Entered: 1,58
